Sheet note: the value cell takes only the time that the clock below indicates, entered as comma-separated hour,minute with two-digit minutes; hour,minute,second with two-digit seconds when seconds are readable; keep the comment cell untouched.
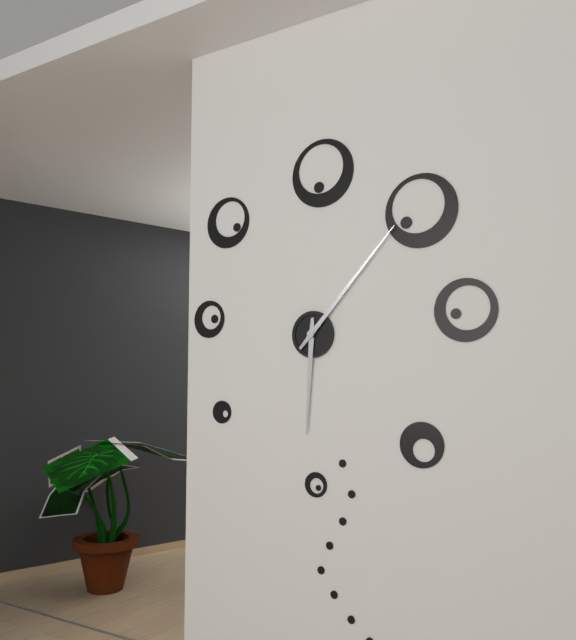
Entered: 6,07
